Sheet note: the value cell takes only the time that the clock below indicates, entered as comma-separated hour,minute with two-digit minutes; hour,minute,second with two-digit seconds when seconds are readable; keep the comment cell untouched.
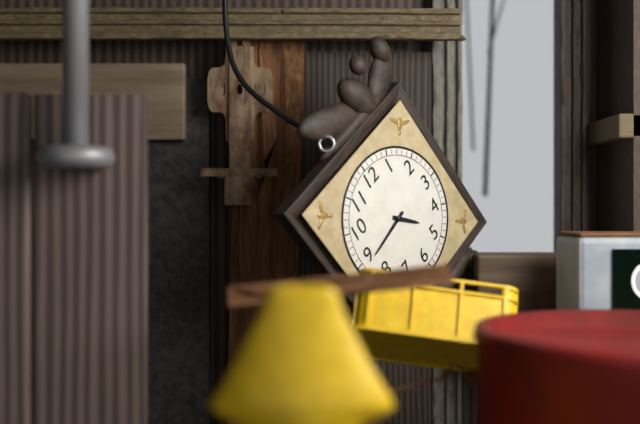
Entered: 4,44
